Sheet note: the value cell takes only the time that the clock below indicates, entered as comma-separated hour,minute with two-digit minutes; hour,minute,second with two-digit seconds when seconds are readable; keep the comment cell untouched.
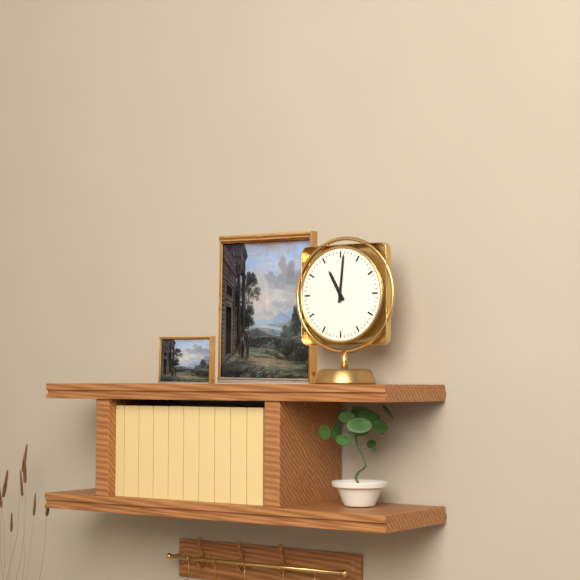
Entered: 11,01
